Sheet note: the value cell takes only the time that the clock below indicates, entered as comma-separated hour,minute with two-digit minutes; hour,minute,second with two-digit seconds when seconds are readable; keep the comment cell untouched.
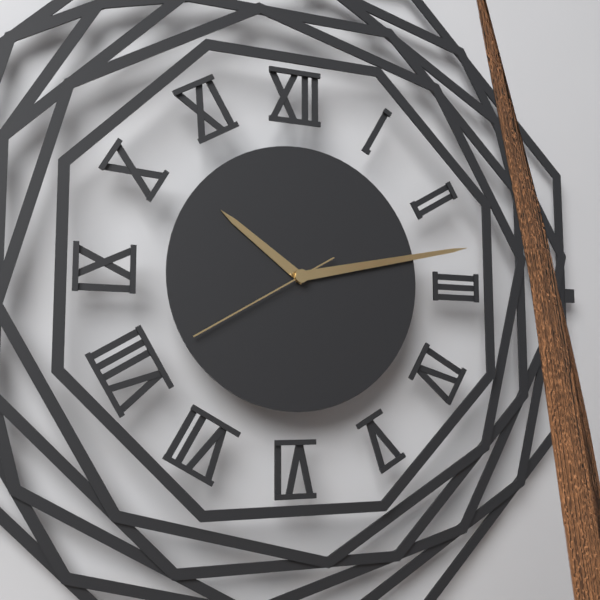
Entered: 10,13,40
